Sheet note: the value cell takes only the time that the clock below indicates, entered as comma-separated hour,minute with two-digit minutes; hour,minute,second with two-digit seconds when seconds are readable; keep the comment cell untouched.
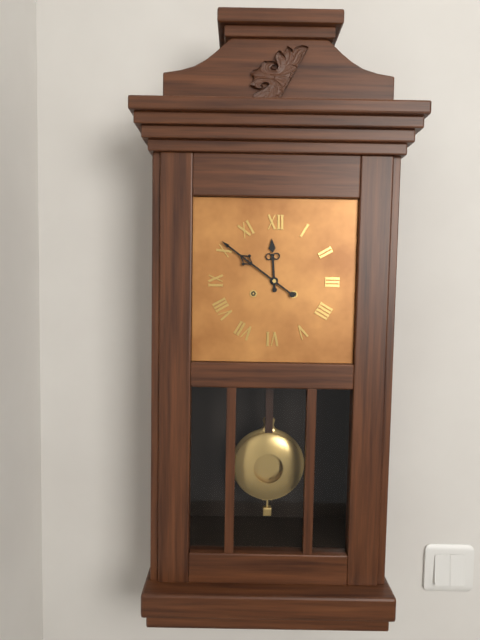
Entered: 11,51
